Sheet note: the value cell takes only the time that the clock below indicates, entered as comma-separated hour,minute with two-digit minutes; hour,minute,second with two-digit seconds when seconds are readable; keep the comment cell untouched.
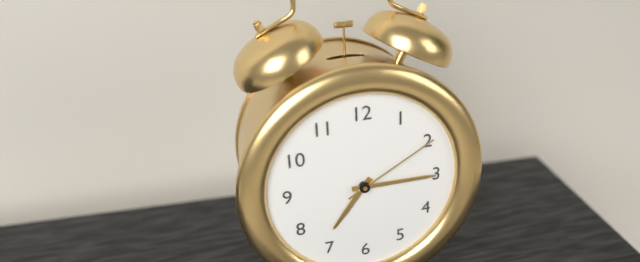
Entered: 7,15,10
